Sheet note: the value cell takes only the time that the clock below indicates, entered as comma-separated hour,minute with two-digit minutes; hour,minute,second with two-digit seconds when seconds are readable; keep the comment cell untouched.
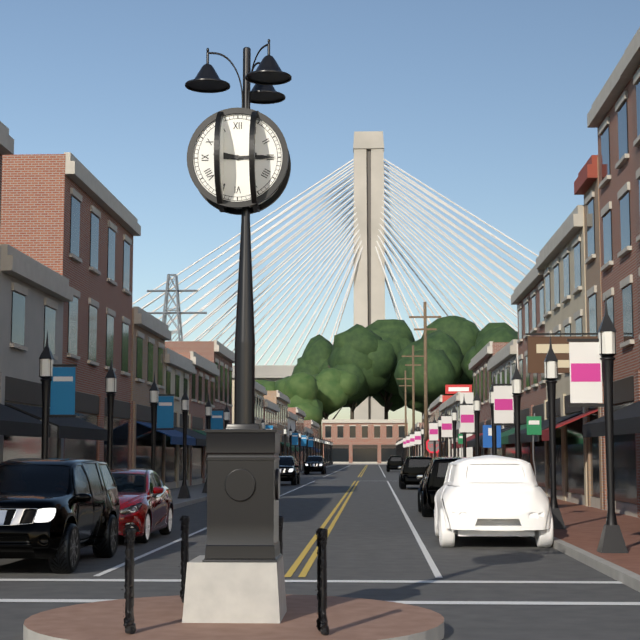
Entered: 9,15
